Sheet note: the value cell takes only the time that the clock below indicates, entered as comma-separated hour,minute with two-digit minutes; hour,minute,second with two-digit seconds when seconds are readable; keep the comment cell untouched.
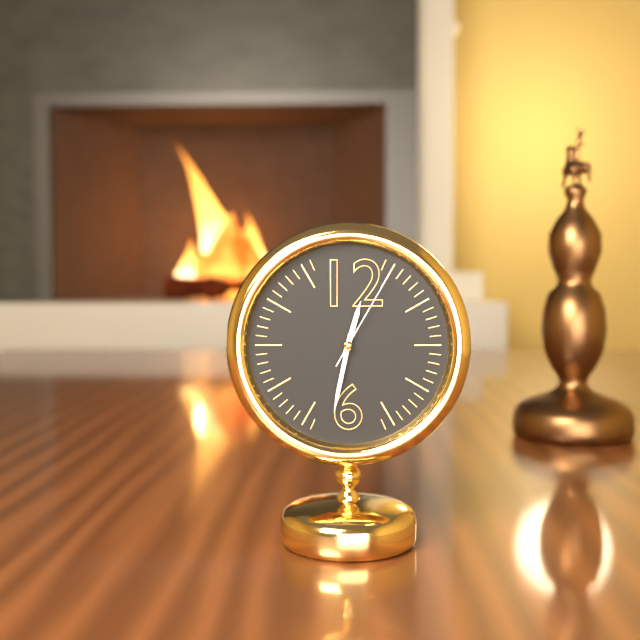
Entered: 12,32,05
